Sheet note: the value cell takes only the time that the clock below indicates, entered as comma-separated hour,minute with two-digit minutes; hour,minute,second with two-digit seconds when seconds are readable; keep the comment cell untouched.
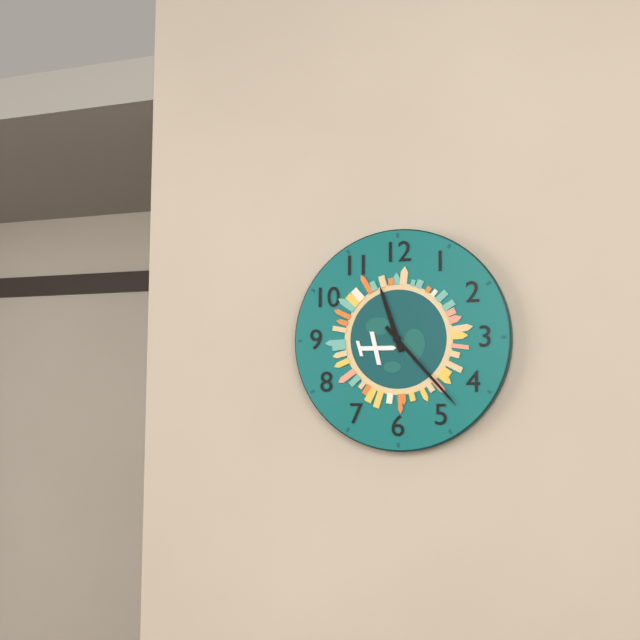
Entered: 11,23
